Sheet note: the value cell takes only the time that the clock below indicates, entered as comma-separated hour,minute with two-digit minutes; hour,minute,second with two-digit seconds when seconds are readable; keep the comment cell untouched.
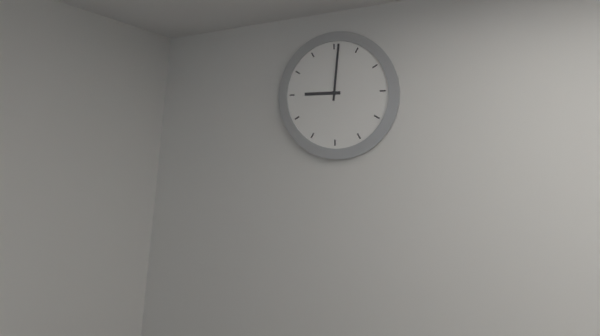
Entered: 9,01
